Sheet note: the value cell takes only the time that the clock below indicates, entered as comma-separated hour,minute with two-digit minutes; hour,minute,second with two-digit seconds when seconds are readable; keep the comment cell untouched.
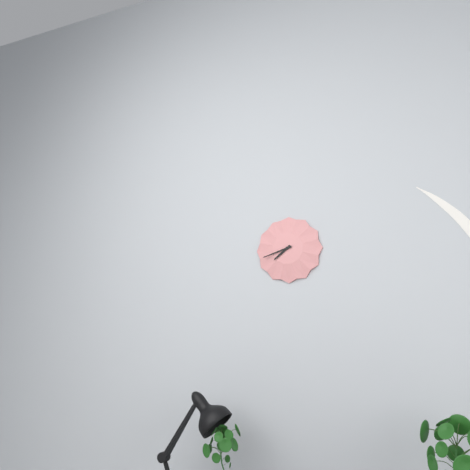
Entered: 7,42
